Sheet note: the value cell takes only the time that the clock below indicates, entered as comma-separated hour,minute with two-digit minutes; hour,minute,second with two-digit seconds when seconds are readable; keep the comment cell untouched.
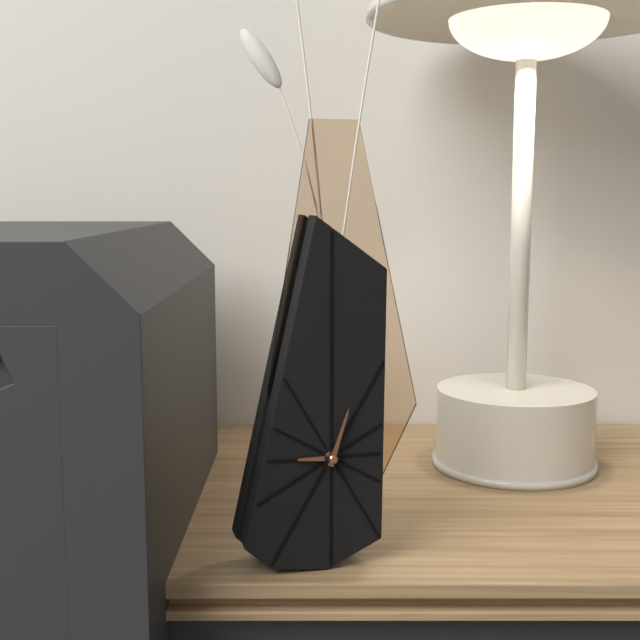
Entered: 9,03
